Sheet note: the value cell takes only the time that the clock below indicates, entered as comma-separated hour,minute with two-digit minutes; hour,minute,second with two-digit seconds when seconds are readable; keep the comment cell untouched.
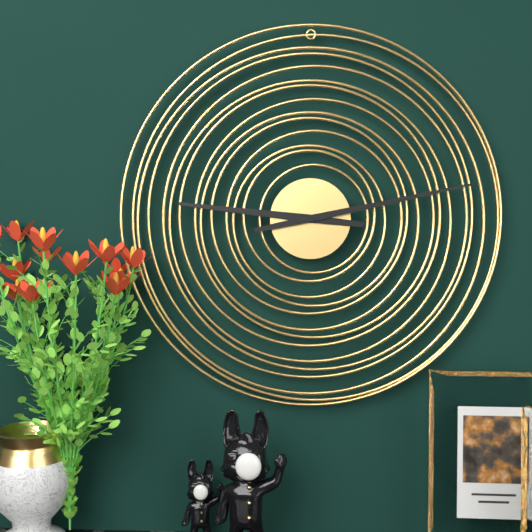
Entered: 9,13
